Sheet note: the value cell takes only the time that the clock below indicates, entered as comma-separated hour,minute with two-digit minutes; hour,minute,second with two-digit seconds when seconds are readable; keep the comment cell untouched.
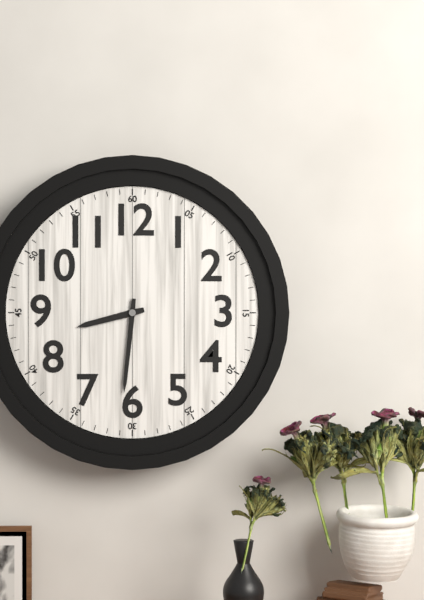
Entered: 8,31
